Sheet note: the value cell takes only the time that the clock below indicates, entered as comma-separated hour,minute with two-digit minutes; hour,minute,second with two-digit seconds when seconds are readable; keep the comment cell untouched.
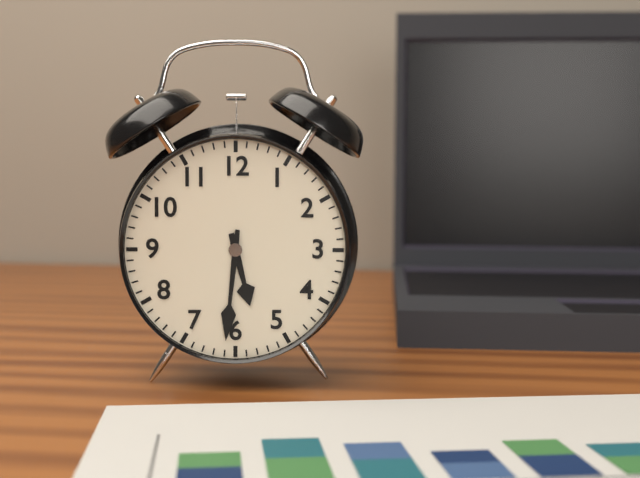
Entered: 5,31
